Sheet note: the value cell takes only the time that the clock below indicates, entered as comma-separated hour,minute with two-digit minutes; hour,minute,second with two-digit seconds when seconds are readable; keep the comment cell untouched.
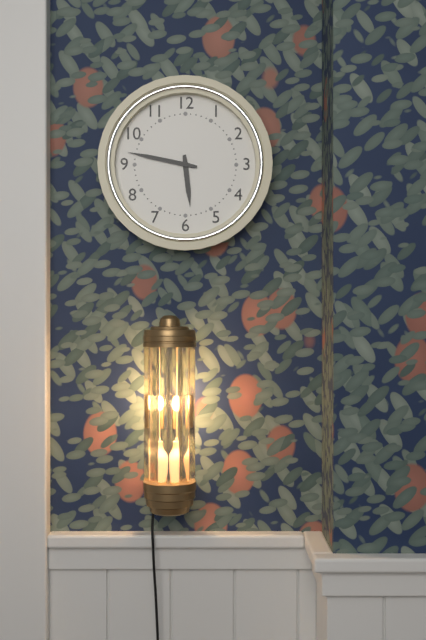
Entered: 5,47
